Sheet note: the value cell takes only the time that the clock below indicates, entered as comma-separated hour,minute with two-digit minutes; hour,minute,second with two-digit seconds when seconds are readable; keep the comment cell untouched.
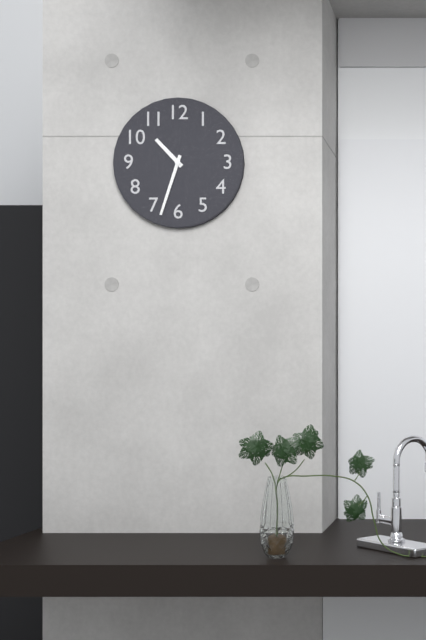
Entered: 10,33
